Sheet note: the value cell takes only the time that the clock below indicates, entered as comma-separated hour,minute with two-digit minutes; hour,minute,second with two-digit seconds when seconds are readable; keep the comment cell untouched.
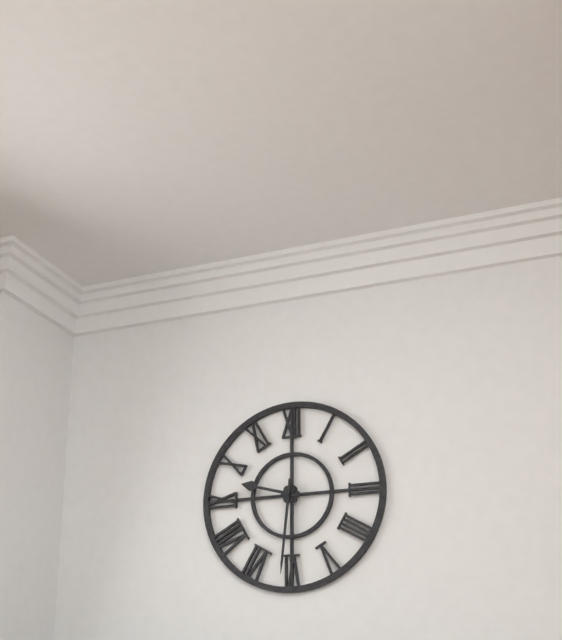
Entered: 9,31
